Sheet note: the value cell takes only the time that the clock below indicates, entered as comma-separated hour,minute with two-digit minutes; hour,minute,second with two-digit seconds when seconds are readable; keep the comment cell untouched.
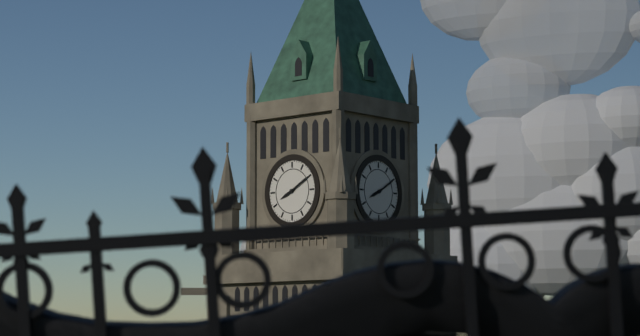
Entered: 8,10
